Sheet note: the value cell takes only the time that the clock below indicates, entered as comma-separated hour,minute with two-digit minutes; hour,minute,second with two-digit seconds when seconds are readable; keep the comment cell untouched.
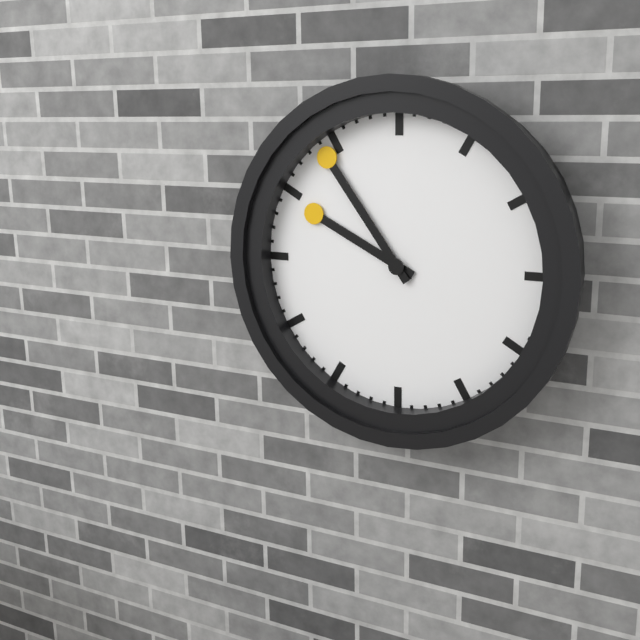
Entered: 9,54
